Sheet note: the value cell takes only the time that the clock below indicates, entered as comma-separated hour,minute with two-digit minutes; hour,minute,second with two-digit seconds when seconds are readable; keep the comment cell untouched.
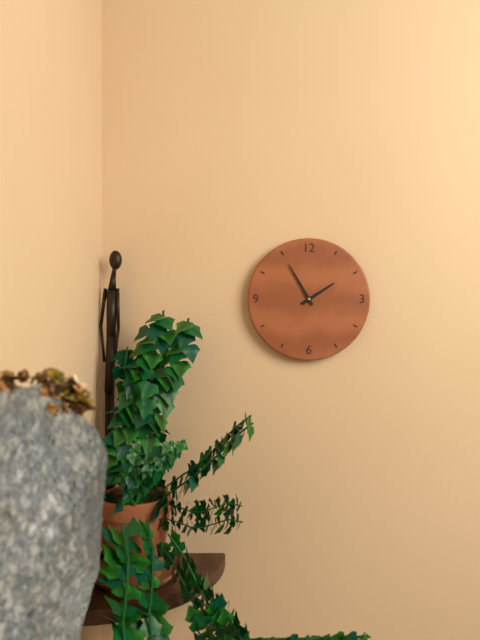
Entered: 1,55
